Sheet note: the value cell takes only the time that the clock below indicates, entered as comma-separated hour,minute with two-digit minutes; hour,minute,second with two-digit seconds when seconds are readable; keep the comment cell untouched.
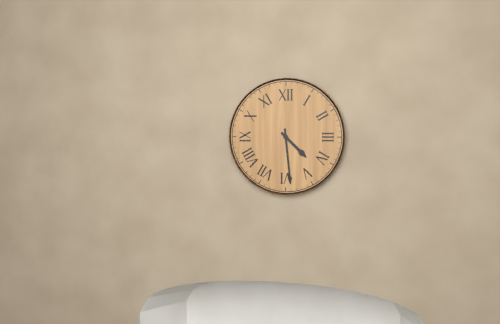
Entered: 4,29
